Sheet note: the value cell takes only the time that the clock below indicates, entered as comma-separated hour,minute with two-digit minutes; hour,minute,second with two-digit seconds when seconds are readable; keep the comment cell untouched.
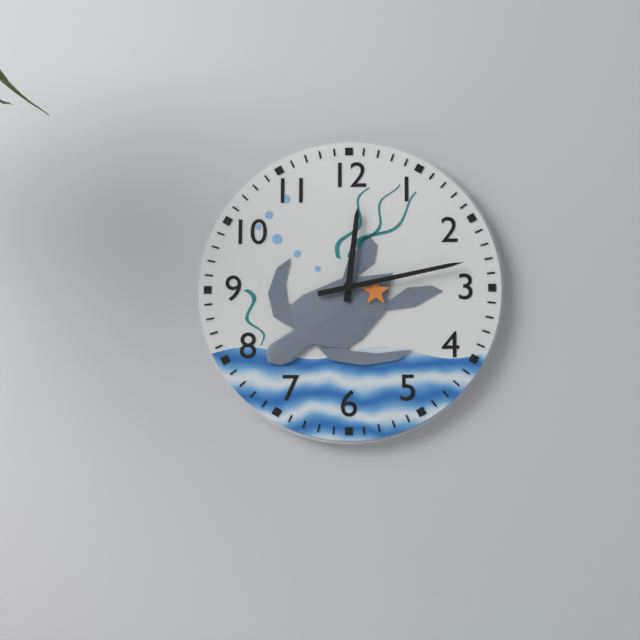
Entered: 12,13
